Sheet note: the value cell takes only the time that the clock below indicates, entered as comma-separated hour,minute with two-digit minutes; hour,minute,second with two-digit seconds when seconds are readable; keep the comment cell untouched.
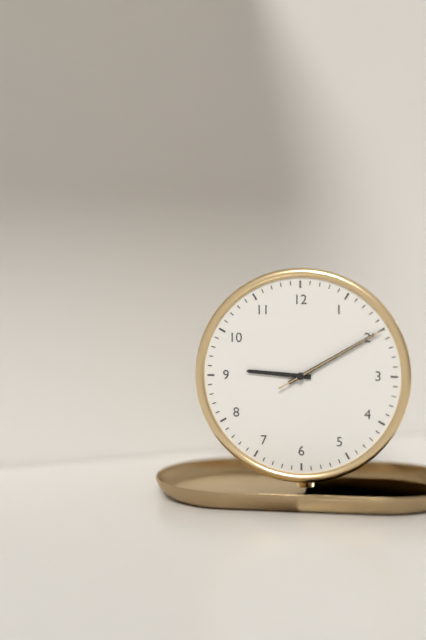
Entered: 9,10,10
